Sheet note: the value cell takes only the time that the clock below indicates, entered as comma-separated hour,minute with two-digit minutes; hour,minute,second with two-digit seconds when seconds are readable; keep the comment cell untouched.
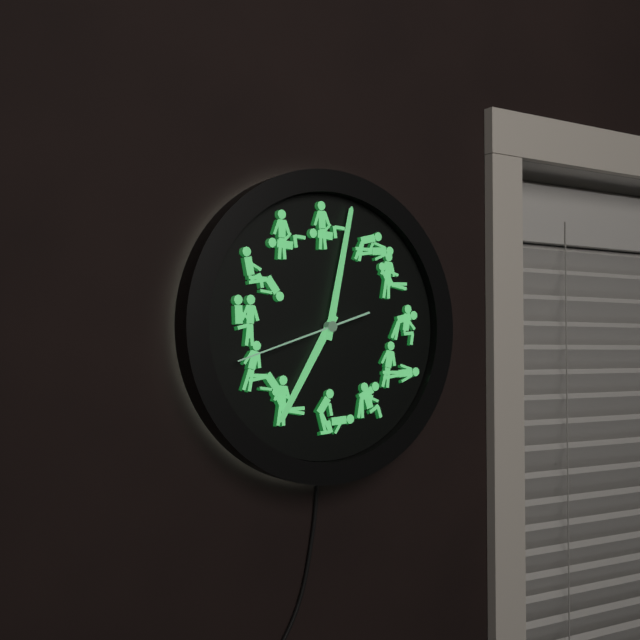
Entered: 7,02,42
